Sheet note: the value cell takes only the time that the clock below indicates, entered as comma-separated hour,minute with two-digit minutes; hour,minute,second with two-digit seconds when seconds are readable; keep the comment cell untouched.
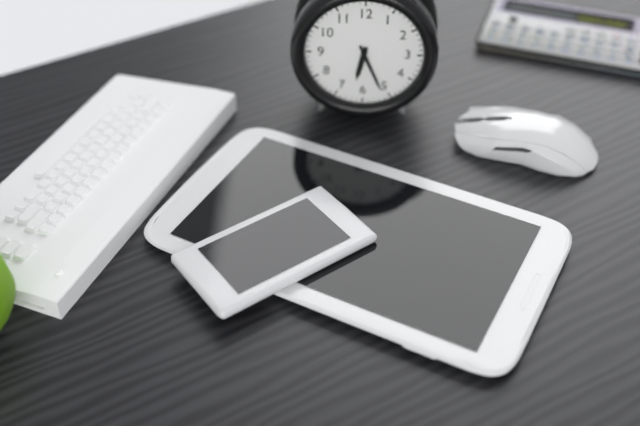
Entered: 6,26
